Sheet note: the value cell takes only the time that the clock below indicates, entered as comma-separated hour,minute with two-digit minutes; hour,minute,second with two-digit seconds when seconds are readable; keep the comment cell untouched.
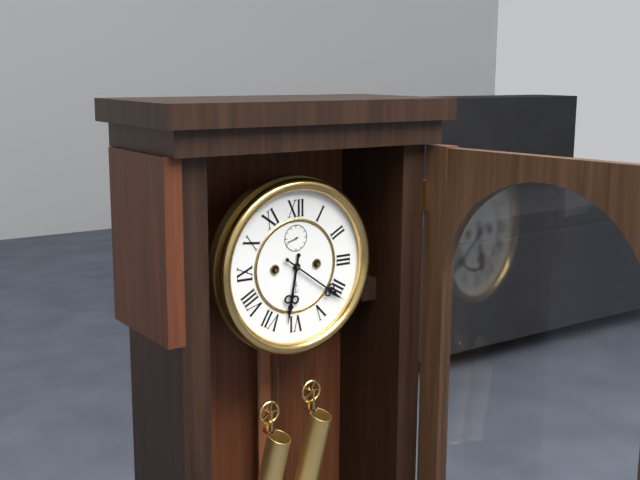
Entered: 6,21
